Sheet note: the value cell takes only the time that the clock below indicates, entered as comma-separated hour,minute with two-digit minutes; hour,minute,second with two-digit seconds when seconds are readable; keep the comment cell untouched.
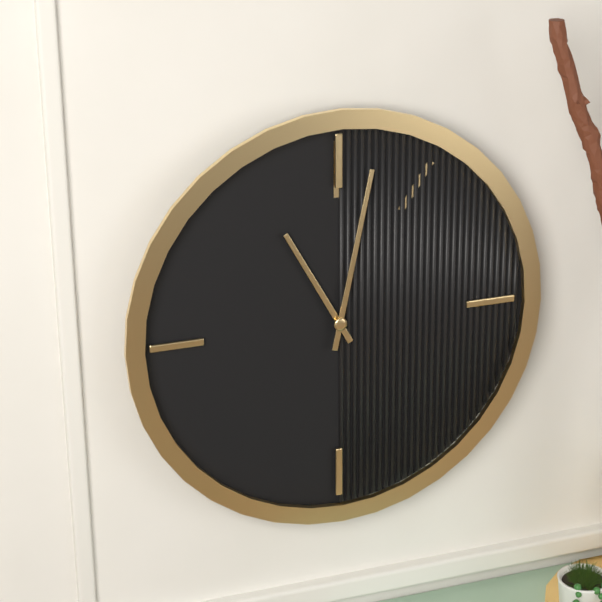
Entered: 11,02
